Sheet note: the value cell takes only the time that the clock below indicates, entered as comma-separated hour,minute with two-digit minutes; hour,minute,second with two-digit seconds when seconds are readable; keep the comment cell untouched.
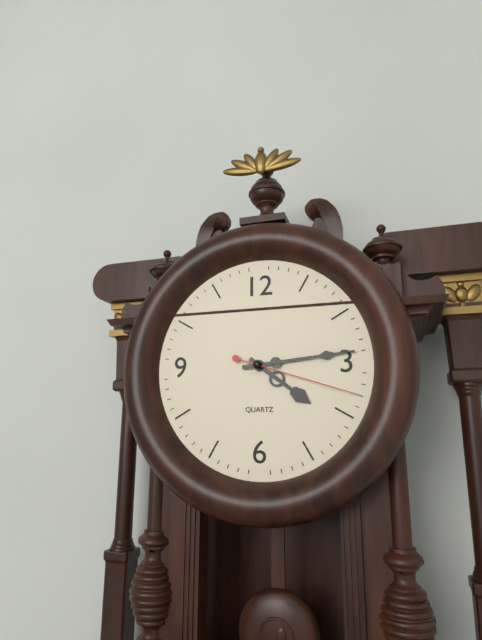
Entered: 4,14,18
